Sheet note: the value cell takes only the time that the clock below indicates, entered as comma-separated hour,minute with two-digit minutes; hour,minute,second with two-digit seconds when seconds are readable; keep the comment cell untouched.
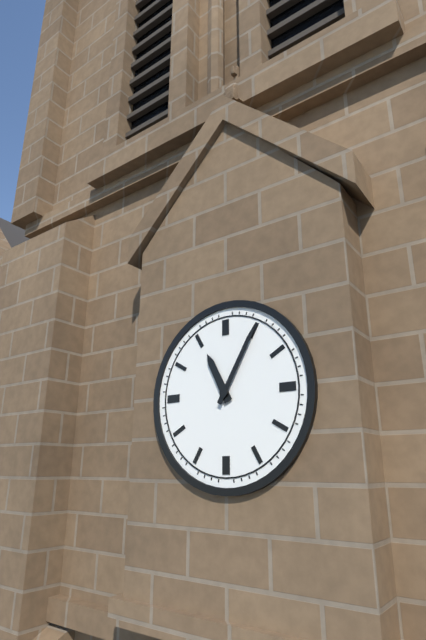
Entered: 11,05
